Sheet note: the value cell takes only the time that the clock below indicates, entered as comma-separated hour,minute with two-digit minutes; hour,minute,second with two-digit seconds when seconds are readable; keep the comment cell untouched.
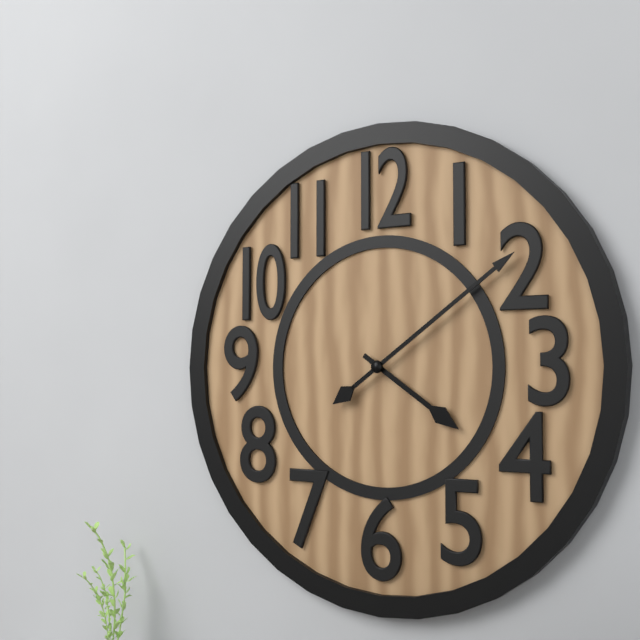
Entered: 4,09
